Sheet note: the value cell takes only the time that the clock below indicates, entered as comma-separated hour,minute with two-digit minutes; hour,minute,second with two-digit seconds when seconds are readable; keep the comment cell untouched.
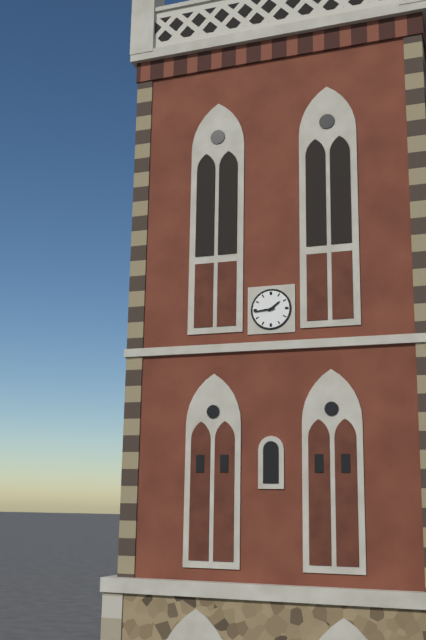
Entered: 1,44
